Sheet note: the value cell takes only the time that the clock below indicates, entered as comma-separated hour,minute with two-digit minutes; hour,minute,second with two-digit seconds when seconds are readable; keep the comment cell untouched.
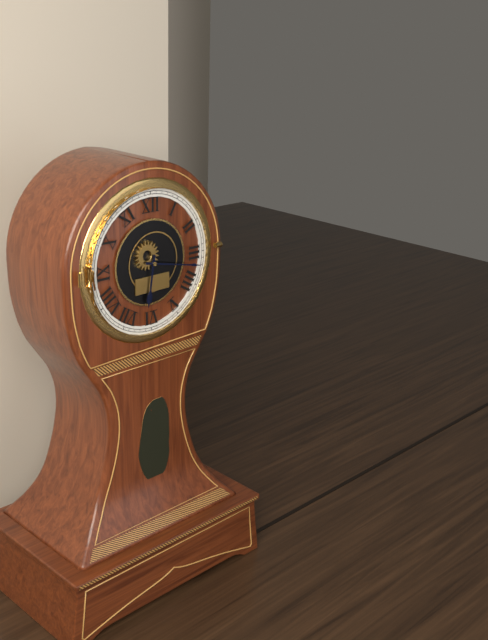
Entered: 6,17
